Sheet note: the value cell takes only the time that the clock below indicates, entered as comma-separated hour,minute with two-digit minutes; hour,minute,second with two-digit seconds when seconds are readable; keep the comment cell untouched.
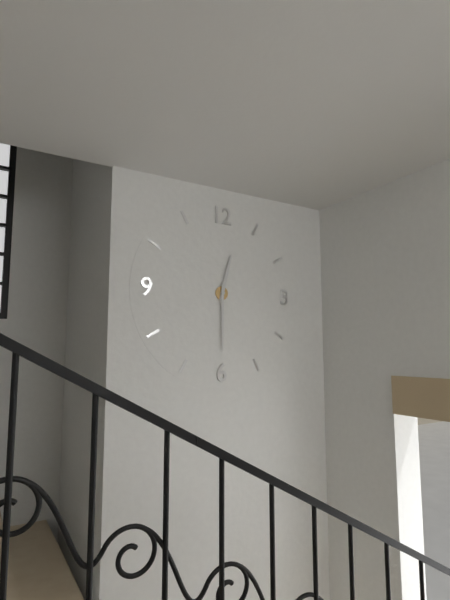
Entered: 12,30
